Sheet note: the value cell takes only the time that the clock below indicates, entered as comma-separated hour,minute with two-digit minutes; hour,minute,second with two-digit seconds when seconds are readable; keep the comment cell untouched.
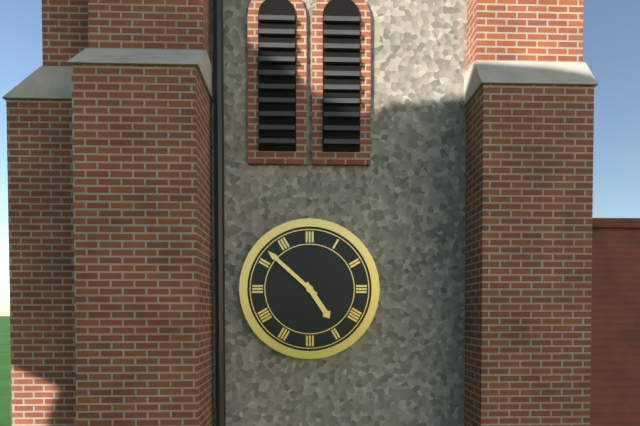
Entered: 4,52
